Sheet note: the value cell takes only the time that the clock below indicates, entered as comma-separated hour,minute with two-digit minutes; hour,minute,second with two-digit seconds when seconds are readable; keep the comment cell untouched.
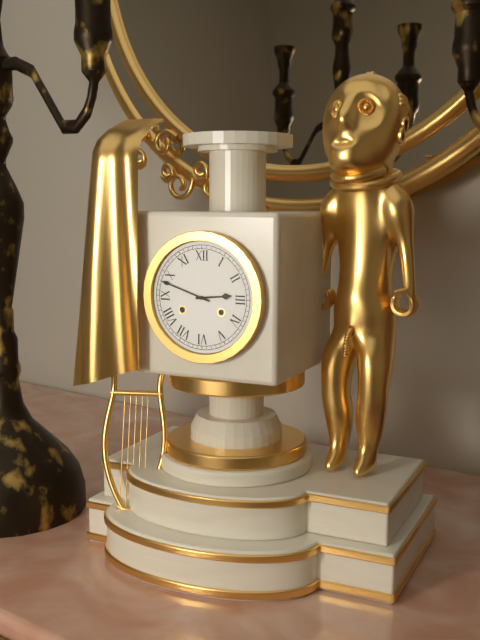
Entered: 2,48
